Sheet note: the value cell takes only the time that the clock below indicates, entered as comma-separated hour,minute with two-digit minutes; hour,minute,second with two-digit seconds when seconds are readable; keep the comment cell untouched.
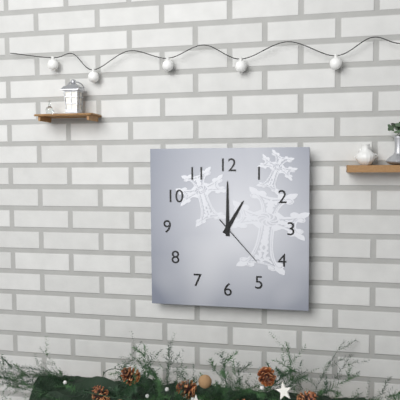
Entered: 1,00,23
